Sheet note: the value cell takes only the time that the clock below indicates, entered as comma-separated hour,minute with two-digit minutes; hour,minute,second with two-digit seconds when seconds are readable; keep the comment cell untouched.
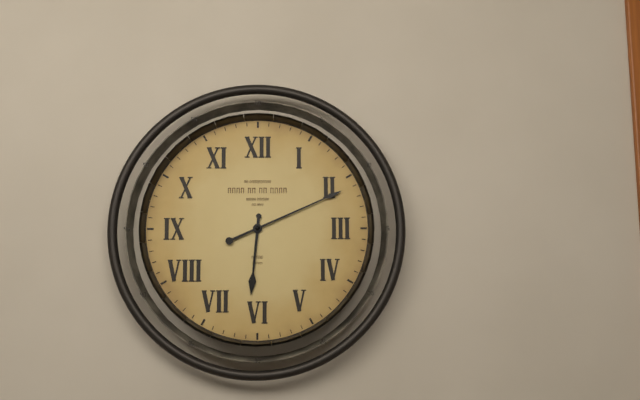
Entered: 6,11
